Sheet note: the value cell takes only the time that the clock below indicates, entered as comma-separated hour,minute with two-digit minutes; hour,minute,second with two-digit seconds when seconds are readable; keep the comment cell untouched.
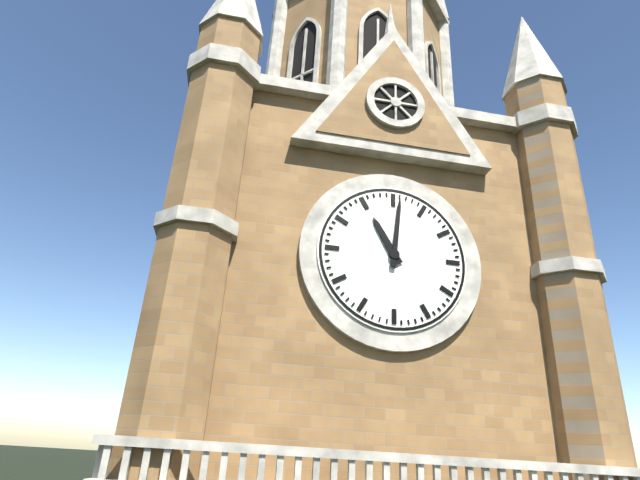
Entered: 11,01
